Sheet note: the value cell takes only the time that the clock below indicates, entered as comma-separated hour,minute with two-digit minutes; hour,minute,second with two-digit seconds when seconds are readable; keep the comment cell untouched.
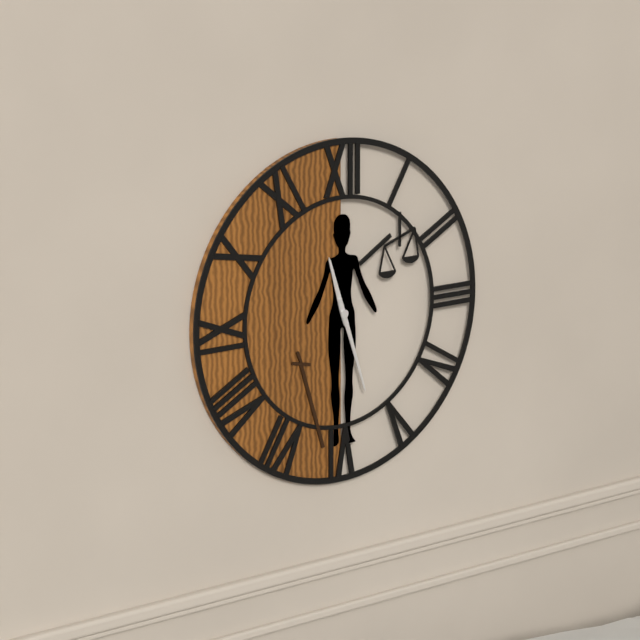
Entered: 11,27
